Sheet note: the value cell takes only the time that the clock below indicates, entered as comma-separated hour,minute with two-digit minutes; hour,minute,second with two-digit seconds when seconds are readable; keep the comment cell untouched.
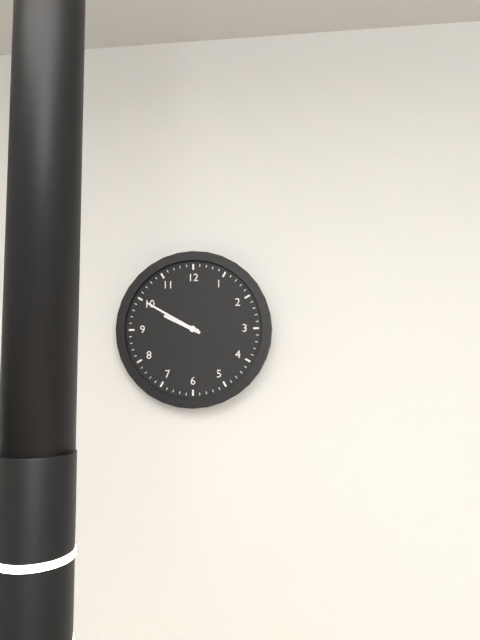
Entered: 9,50
